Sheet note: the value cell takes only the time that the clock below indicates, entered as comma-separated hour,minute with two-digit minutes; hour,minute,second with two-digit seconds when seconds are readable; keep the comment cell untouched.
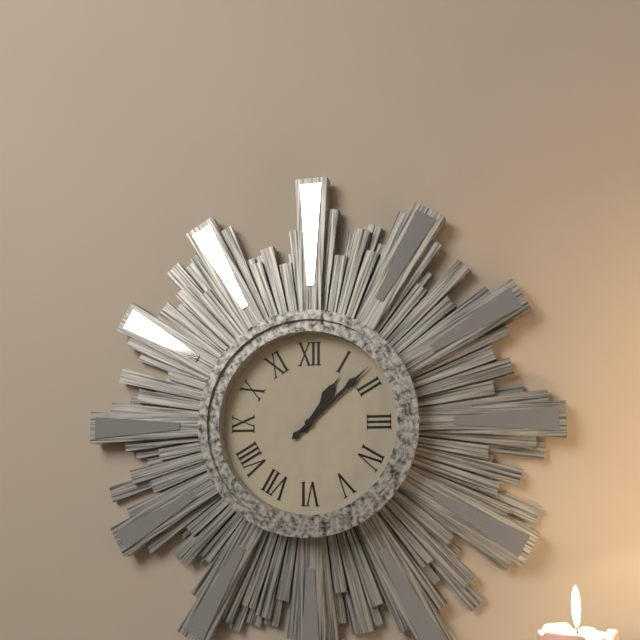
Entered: 1,08
